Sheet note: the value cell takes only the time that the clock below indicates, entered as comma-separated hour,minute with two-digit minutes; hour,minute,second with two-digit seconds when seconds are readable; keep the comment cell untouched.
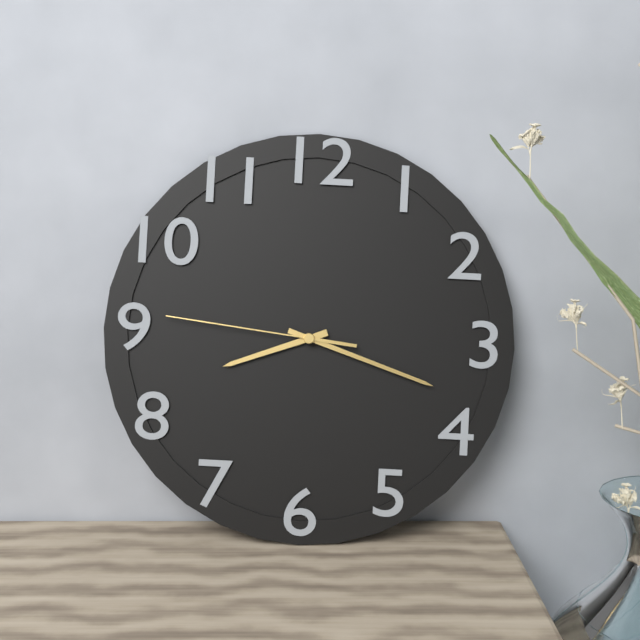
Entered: 8,18,46
